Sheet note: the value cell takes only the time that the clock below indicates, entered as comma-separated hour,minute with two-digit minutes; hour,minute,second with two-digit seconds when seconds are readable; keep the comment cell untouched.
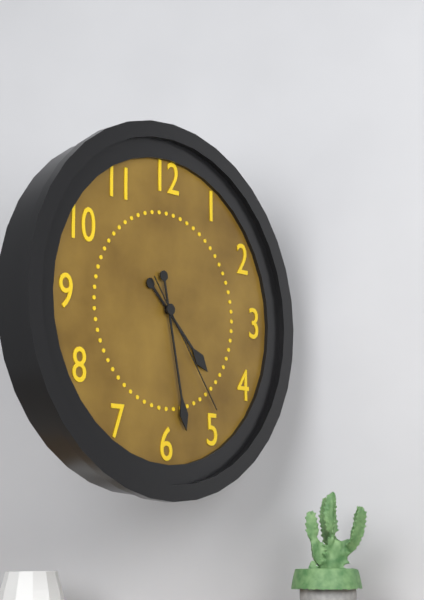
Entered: 4,28,24
